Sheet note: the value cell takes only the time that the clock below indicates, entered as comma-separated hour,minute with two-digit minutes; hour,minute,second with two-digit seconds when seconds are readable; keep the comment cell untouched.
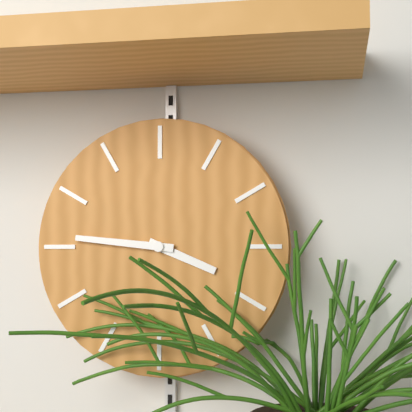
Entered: 3,46
